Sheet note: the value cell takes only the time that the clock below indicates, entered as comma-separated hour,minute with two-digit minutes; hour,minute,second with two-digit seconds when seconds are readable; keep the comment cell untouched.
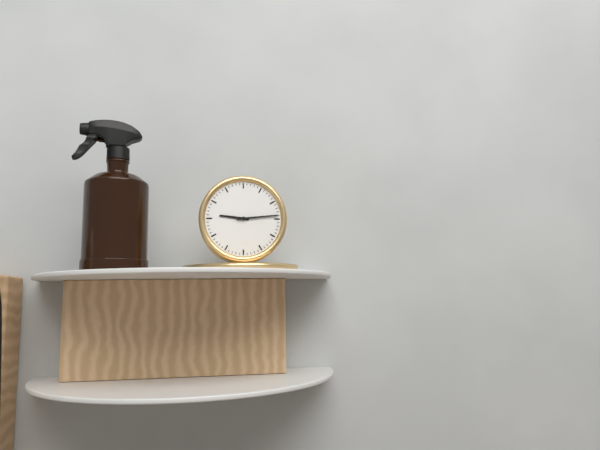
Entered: 9,14
